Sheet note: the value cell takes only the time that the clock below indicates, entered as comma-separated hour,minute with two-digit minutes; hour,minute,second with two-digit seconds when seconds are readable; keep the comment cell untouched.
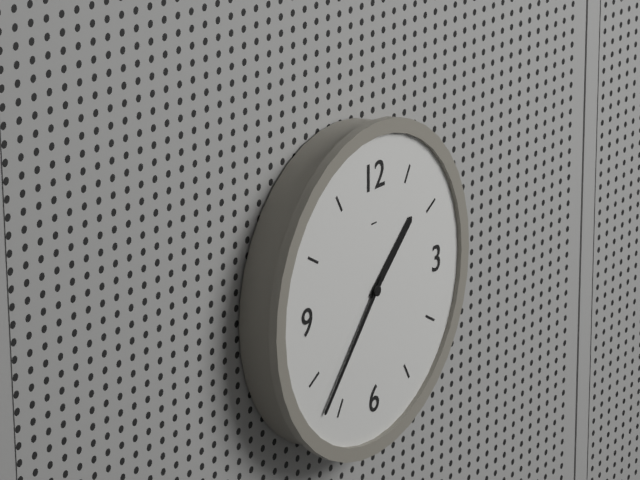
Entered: 1,37
